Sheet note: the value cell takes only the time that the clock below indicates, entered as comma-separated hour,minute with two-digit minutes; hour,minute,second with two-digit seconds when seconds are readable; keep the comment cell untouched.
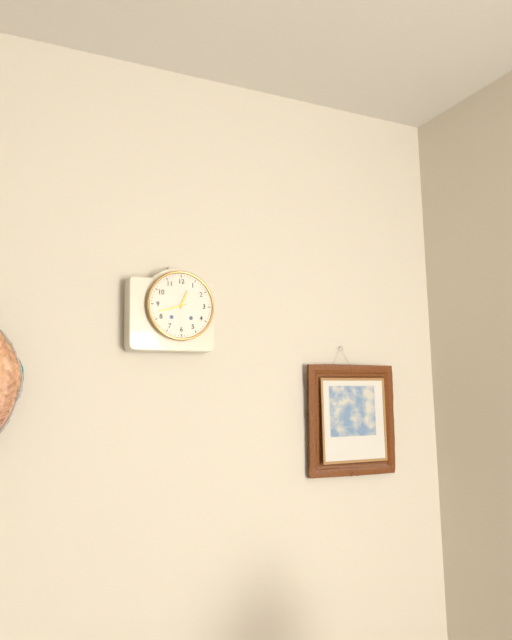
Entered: 12,42
